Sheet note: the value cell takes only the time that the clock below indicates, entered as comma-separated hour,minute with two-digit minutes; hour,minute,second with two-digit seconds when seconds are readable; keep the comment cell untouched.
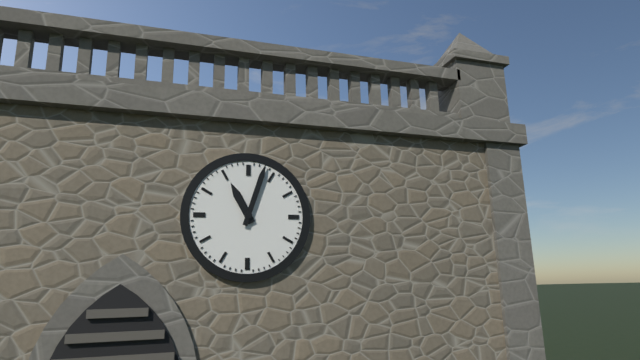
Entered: 11,03
